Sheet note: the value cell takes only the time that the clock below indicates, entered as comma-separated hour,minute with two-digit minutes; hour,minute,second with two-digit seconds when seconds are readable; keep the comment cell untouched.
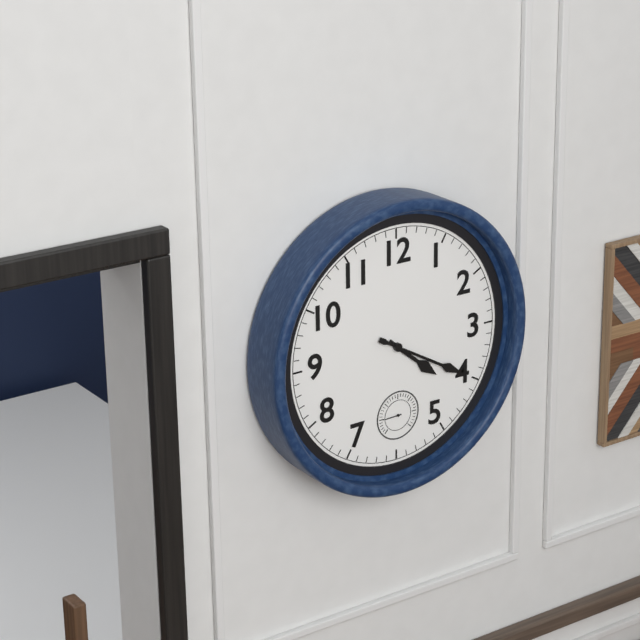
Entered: 4,20
